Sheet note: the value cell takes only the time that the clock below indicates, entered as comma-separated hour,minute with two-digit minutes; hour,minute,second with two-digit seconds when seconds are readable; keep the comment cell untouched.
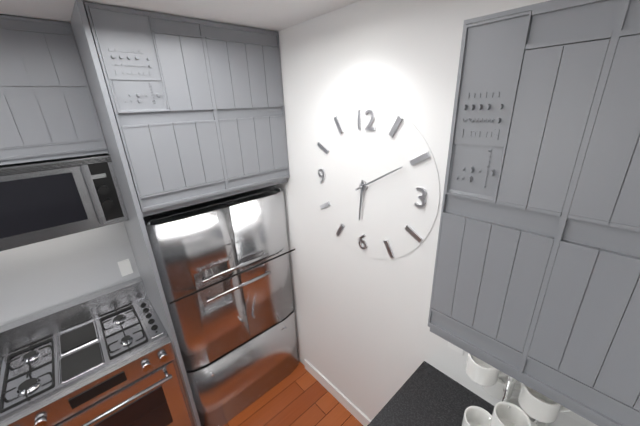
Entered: 6,10
